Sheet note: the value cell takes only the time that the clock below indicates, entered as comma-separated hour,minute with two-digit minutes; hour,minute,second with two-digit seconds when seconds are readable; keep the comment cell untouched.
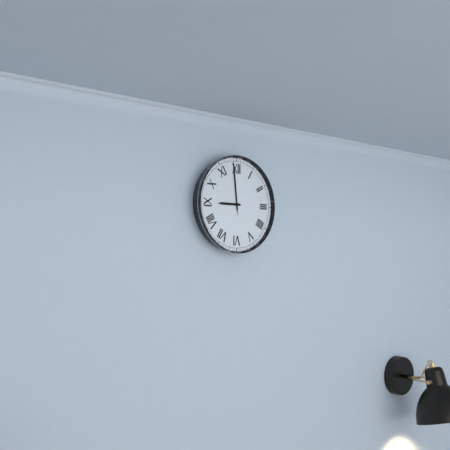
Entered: 8,59,59
